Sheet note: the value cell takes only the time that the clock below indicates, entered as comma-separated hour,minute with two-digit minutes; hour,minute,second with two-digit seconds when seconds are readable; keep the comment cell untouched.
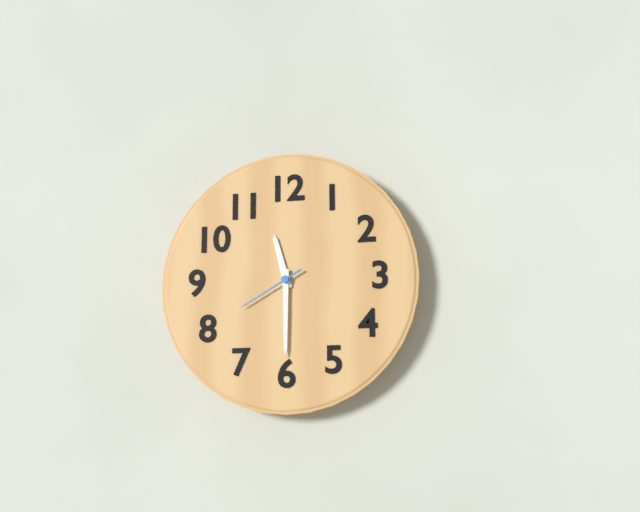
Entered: 11,30,40
